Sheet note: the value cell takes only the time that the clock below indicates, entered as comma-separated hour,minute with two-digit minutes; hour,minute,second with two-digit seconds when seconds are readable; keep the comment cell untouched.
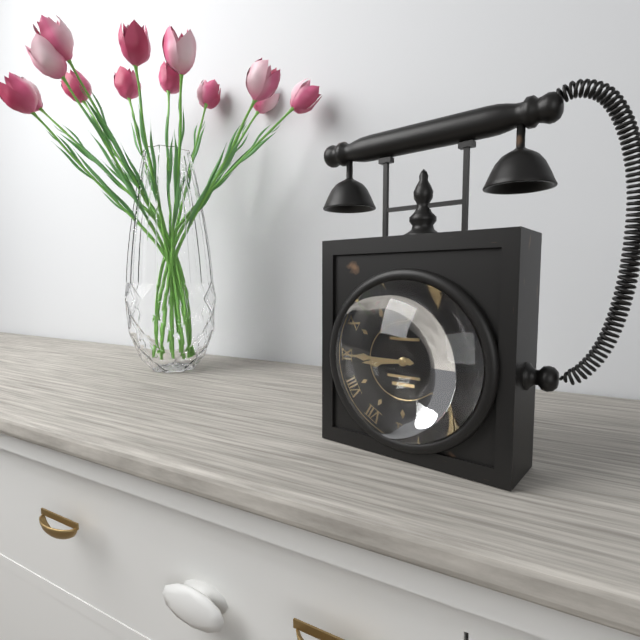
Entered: 8,45
